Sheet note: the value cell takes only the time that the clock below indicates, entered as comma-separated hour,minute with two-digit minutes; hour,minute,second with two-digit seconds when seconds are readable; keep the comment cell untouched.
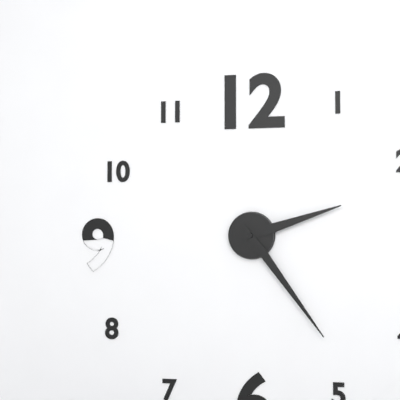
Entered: 2,24
